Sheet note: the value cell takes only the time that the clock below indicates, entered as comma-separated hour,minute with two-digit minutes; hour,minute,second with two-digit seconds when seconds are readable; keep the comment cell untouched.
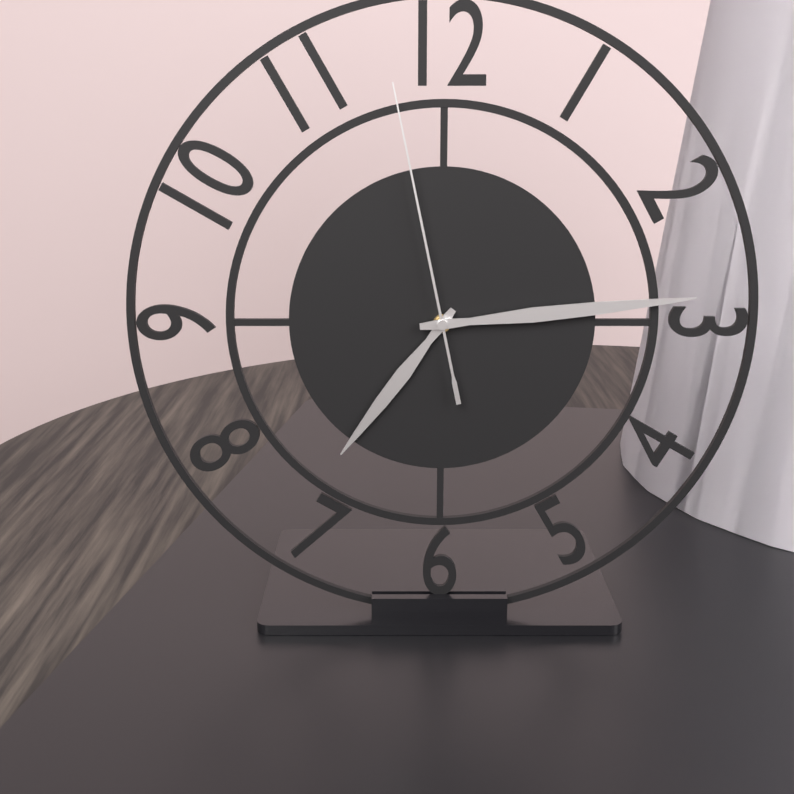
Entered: 7,14,58
